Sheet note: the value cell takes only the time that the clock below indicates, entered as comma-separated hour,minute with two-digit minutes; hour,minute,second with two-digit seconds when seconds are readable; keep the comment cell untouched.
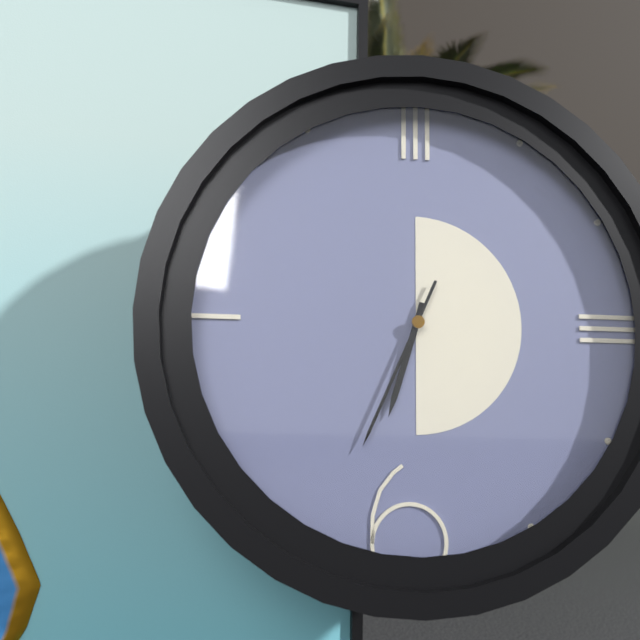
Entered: 6,34
